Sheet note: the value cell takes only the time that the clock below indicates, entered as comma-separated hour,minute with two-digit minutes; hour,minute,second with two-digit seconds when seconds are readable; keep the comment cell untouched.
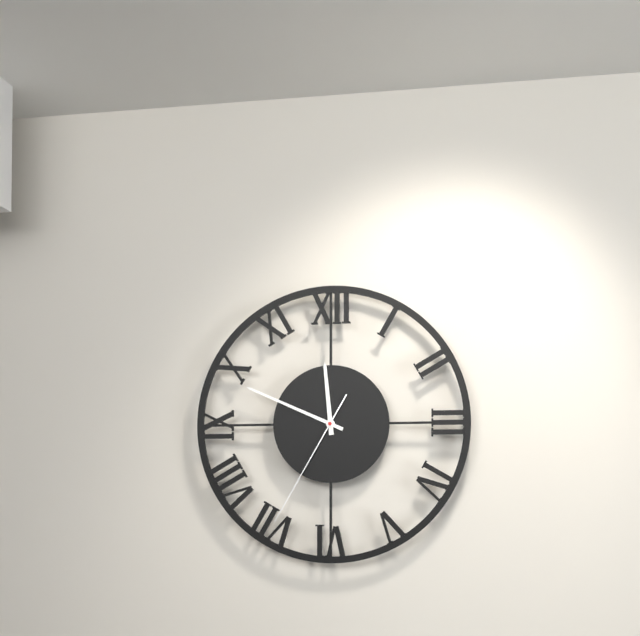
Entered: 11,49,35
